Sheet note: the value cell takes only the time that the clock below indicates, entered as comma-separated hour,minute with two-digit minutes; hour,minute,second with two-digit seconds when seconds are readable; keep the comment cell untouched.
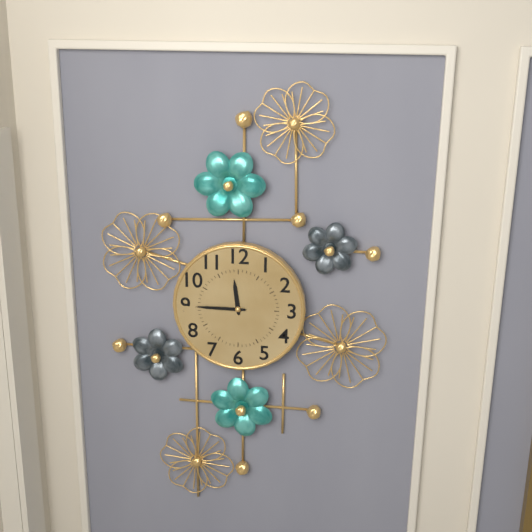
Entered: 11,45
